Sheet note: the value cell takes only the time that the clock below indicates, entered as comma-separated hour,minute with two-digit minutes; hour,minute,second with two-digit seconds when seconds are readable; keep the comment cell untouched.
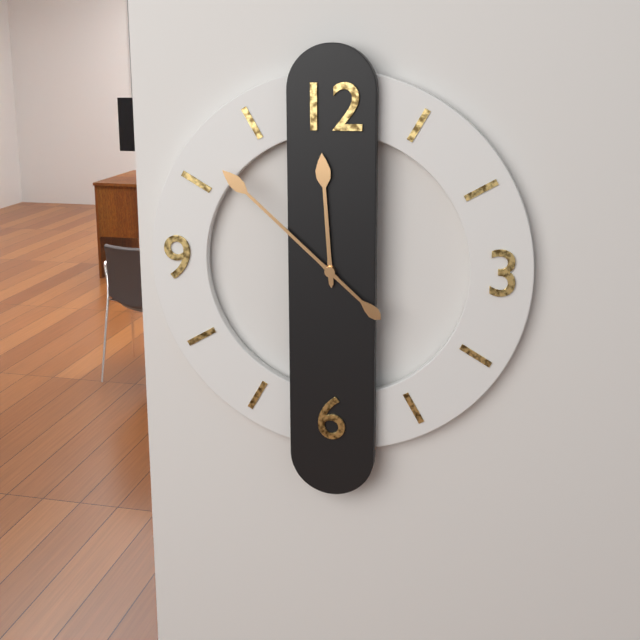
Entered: 11,52
